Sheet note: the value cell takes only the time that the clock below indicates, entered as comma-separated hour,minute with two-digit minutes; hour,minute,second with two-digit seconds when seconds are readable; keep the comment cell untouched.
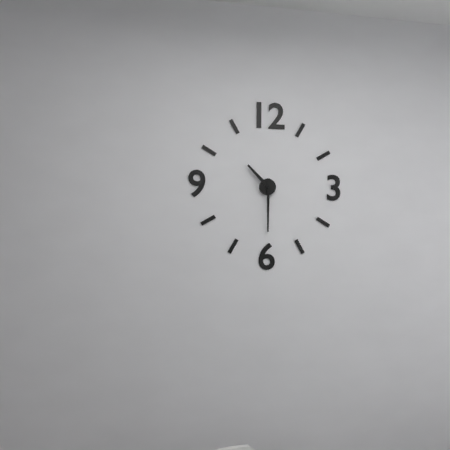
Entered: 10,30
